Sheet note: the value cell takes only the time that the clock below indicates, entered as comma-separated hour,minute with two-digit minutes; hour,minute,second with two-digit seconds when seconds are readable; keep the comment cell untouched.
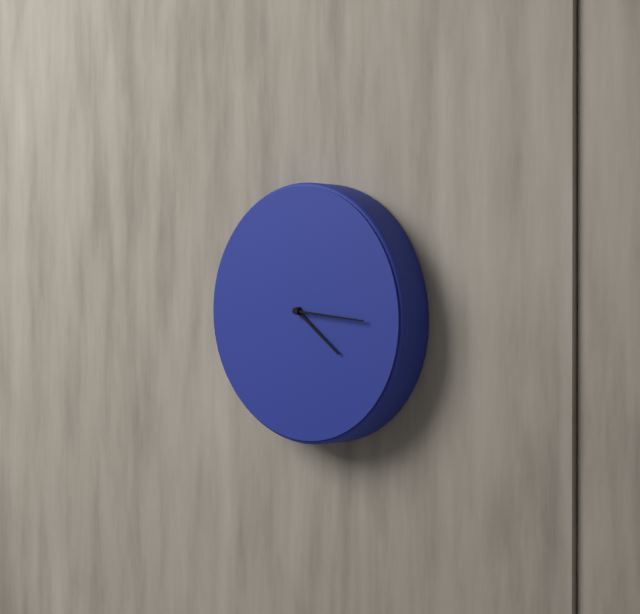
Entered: 4,16
